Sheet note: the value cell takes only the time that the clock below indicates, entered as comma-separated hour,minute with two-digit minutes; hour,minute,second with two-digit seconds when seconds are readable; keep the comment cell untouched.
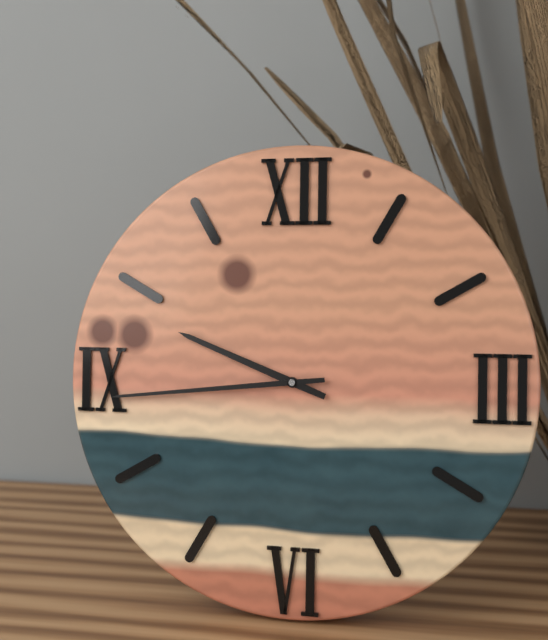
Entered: 9,44
